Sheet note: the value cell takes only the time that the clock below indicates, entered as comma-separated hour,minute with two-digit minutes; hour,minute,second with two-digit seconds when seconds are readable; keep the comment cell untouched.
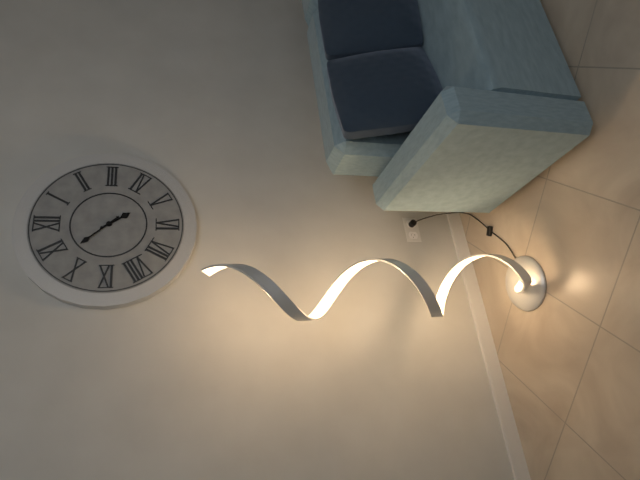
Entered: 4,53
